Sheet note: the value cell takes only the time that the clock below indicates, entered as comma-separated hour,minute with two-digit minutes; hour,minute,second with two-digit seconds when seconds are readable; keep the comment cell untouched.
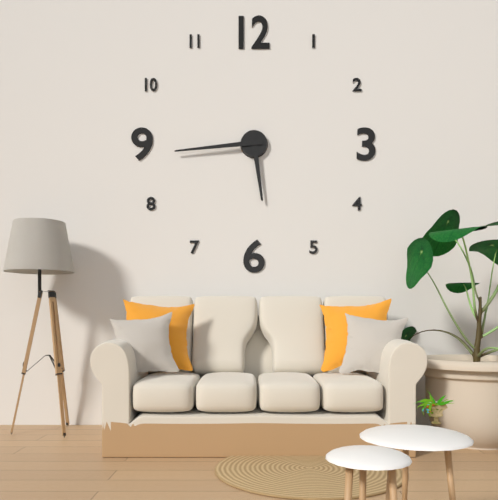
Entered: 5,44
